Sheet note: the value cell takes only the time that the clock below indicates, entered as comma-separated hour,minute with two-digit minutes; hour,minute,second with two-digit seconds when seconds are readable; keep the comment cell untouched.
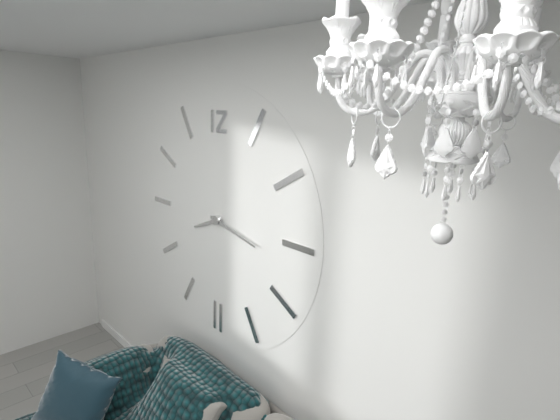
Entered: 8,17
